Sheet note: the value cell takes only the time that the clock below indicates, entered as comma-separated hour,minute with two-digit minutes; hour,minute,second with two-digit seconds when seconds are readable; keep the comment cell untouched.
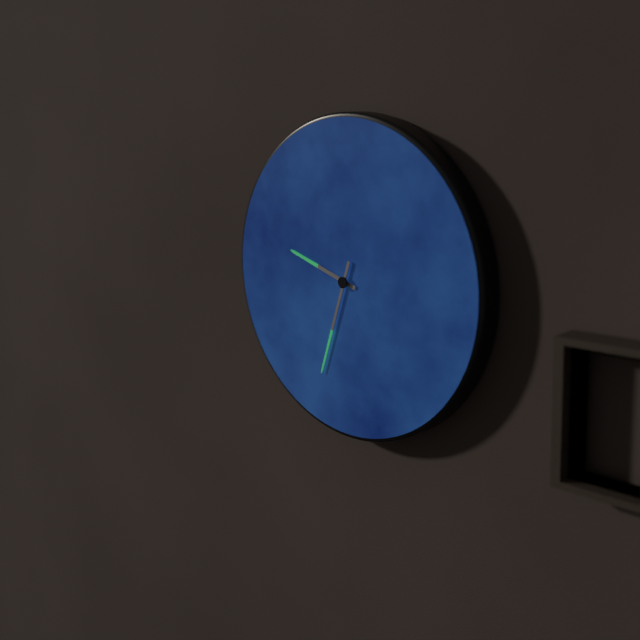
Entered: 9,33
